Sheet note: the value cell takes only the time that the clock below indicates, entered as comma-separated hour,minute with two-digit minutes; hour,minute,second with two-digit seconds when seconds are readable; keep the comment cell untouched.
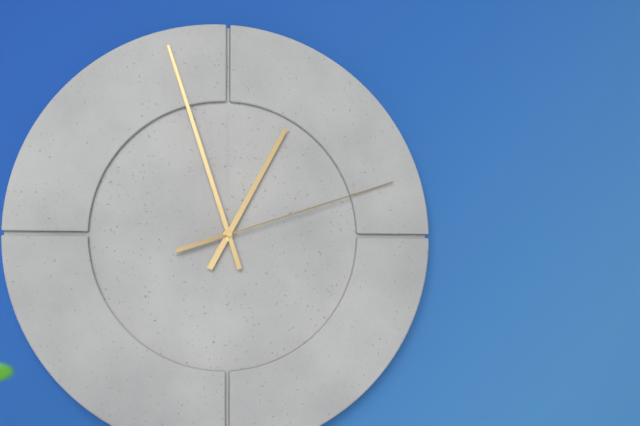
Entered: 12,57,12
